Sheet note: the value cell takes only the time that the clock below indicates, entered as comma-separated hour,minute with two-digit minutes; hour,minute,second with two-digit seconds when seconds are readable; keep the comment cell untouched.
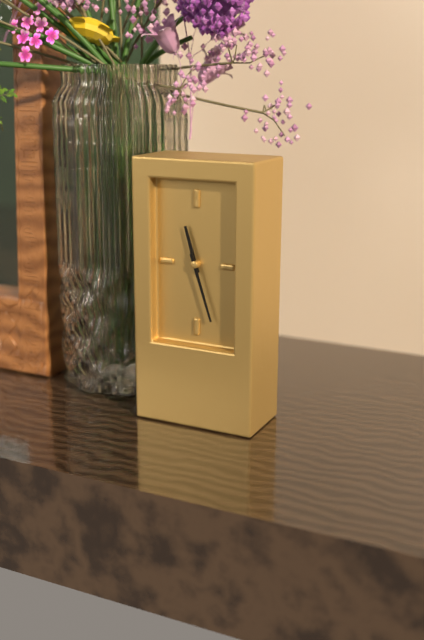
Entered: 11,27
